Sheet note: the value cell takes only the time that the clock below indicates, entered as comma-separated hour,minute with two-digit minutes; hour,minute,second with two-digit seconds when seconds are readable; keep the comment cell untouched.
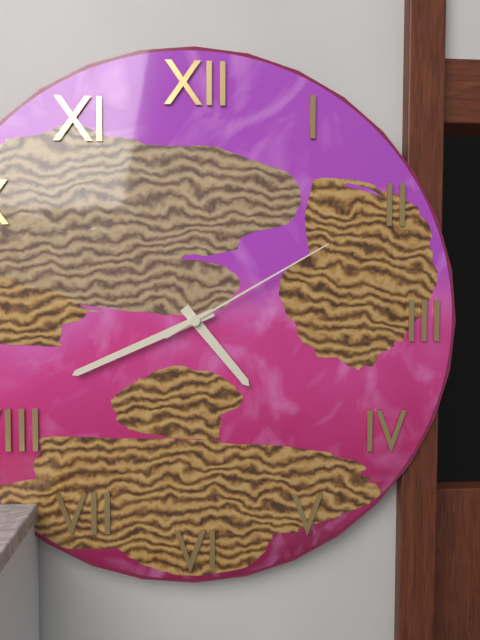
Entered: 4,41,10
